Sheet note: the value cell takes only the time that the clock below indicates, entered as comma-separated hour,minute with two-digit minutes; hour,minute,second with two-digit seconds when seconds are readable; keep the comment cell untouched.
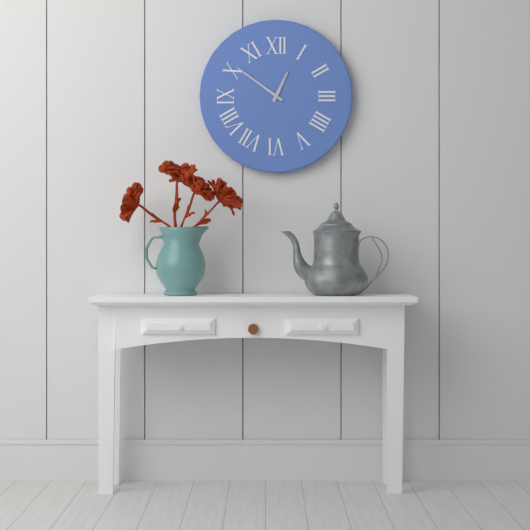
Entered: 12,51
